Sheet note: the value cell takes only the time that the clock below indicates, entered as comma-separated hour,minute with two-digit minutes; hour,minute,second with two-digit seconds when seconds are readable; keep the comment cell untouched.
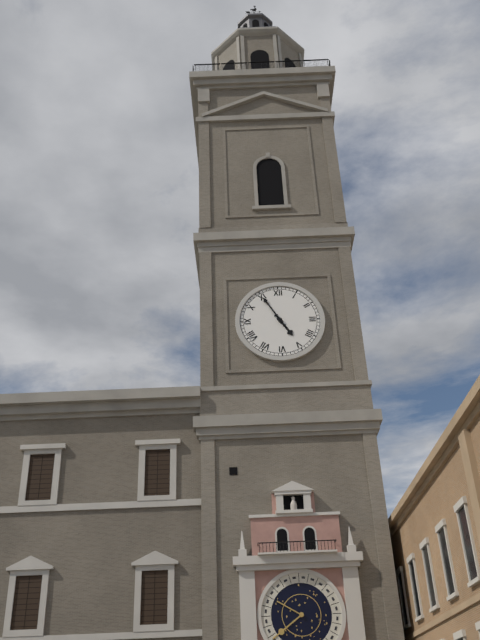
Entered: 4,55
